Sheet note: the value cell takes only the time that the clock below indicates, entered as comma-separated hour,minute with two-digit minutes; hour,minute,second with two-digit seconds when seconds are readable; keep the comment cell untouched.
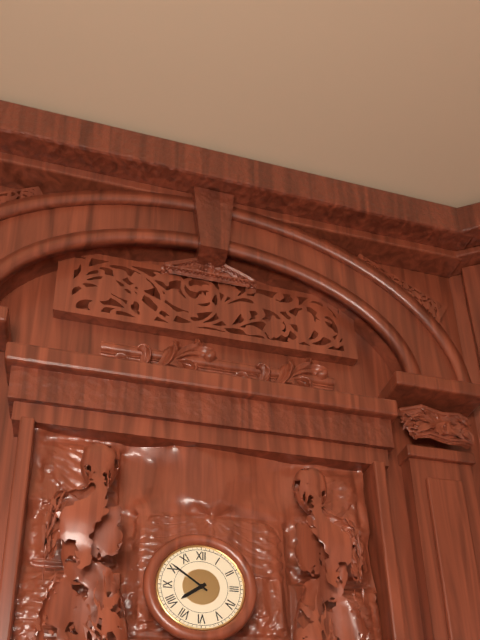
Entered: 7,51
